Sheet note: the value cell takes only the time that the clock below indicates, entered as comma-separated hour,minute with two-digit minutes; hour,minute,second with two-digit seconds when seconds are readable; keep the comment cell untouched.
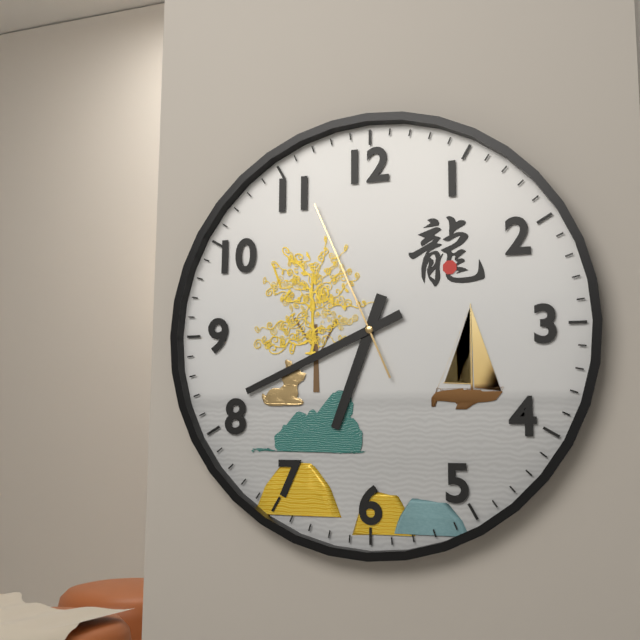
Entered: 6,41,56
